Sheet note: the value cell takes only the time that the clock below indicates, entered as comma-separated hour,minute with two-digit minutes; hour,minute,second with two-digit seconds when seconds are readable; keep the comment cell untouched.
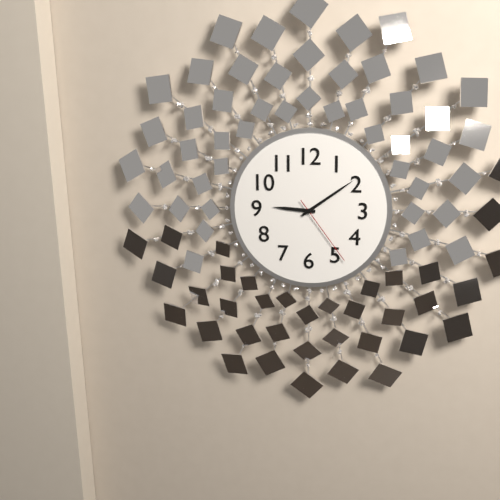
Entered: 9,09,24
